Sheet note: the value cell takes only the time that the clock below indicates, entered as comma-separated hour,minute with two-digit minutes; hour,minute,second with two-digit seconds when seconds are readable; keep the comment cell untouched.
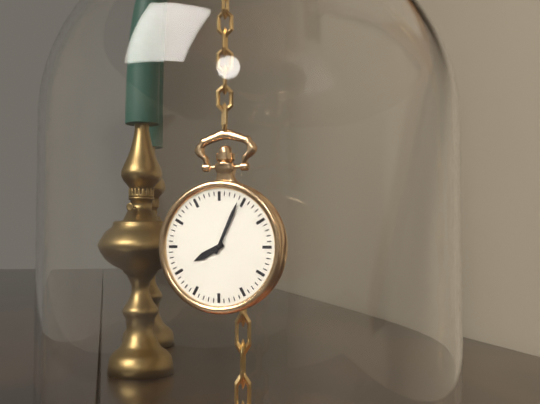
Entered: 8,04
